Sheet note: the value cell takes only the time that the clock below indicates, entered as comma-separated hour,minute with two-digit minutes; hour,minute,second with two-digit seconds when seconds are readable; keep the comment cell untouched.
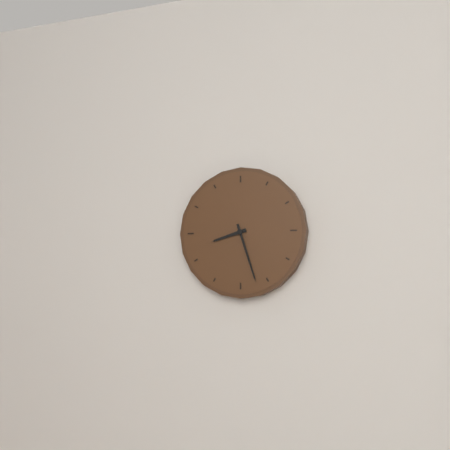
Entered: 8,27
